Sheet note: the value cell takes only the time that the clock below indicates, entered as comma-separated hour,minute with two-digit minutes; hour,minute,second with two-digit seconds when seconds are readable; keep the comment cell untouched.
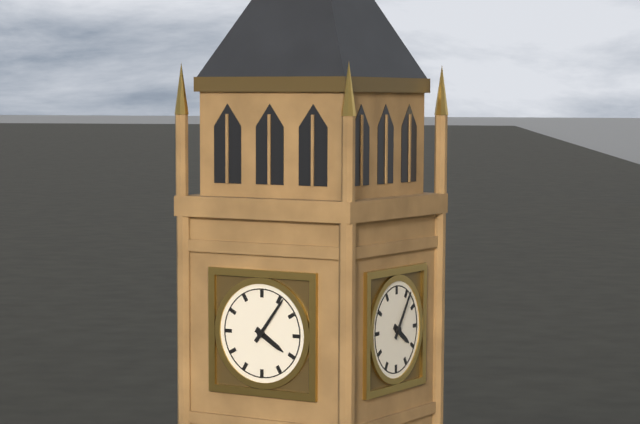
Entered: 4,06
